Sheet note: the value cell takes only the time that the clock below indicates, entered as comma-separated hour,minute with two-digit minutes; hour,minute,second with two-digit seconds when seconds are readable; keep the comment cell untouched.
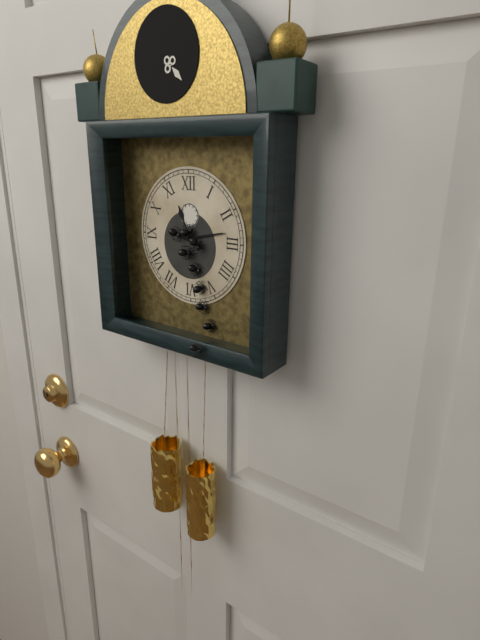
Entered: 11,13
